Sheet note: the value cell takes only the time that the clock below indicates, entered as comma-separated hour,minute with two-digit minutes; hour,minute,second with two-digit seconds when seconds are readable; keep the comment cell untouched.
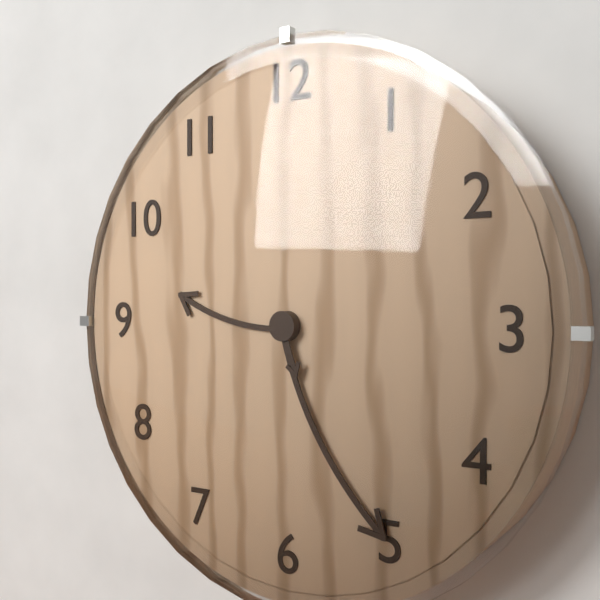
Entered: 9,25,27
